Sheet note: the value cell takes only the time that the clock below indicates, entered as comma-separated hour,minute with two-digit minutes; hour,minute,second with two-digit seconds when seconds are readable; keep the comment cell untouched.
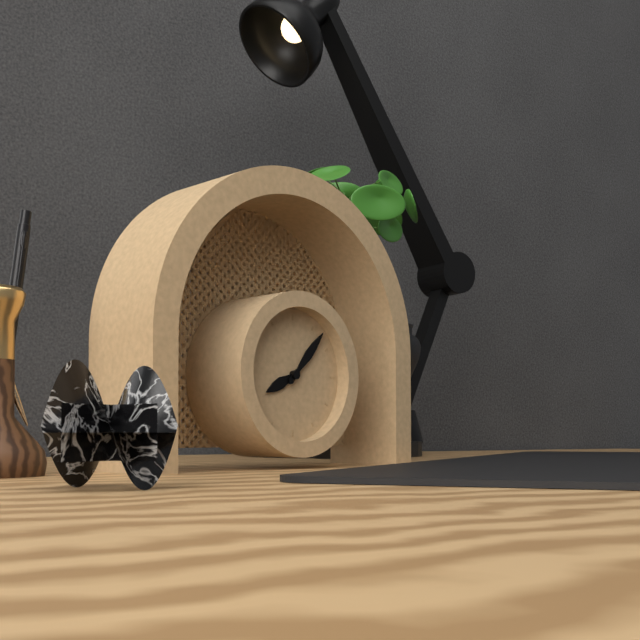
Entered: 8,07
